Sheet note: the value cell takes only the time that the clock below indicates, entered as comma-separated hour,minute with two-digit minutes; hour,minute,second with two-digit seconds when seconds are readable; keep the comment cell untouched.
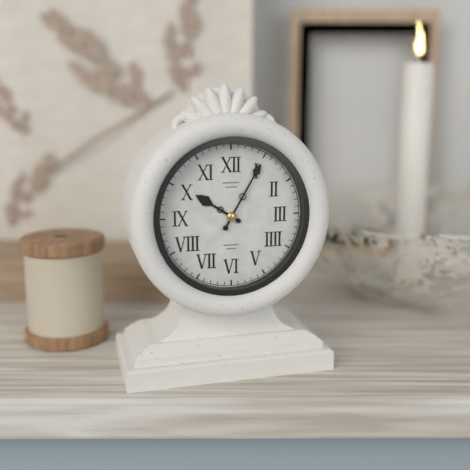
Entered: 10,05
